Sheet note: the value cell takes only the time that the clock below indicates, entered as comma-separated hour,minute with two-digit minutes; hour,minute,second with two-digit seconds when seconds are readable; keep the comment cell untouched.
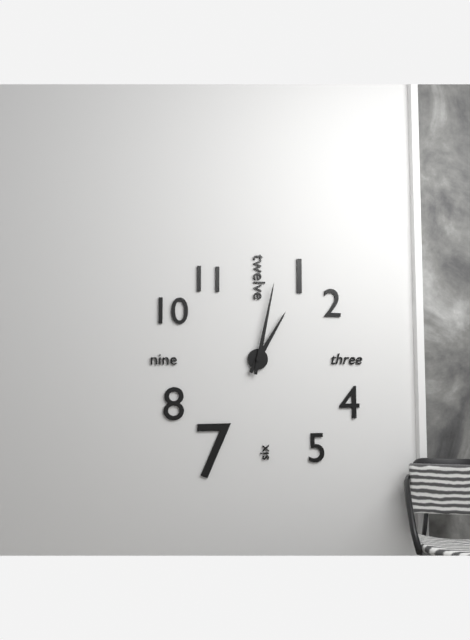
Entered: 1,02
